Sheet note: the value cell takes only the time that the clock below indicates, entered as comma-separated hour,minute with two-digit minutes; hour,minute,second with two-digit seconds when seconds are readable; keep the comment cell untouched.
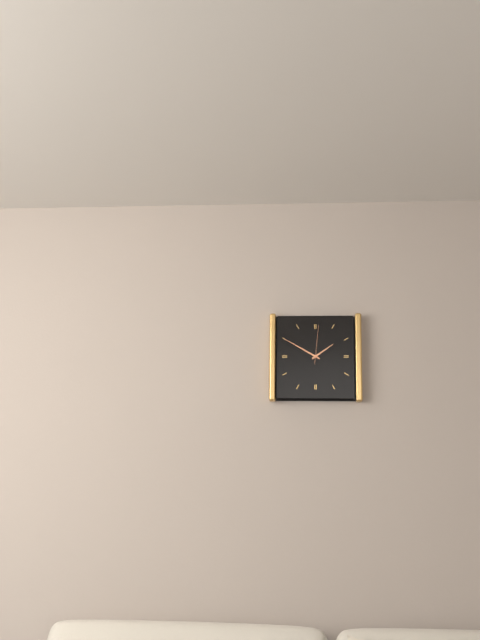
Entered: 1,50
